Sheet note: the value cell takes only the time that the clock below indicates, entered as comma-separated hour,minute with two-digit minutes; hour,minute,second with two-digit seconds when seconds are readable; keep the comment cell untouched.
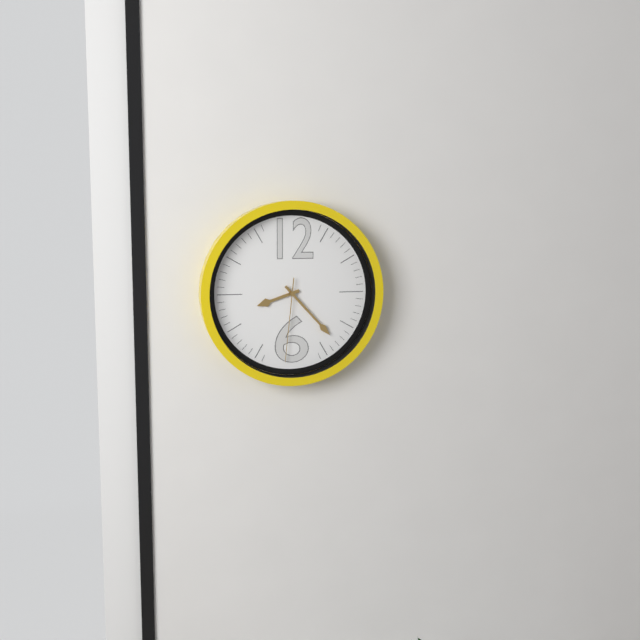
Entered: 8,23,31
